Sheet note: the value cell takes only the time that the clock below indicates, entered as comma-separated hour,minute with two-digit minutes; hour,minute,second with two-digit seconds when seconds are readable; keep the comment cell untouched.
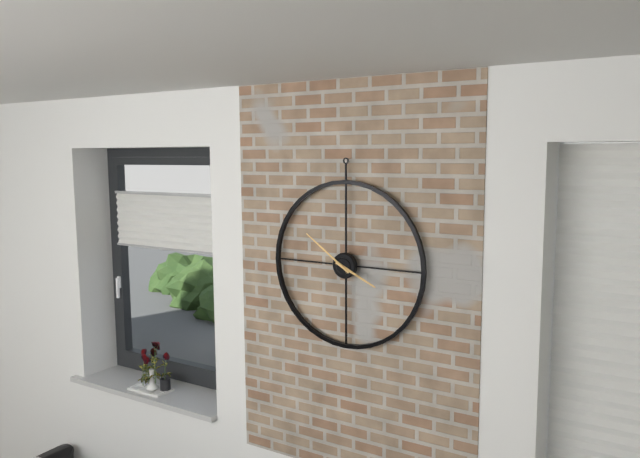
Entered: 3,51
